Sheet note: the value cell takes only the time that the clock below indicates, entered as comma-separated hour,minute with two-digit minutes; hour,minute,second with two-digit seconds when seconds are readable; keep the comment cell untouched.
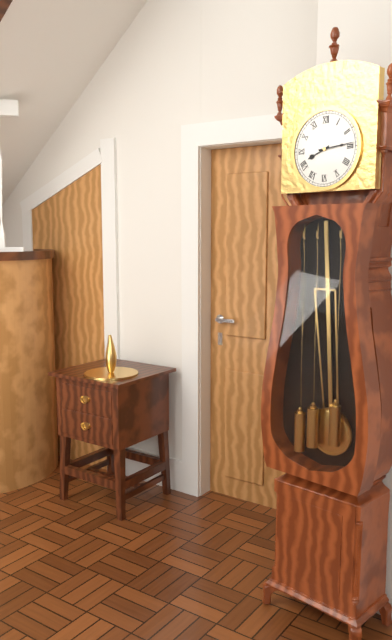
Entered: 8,14
